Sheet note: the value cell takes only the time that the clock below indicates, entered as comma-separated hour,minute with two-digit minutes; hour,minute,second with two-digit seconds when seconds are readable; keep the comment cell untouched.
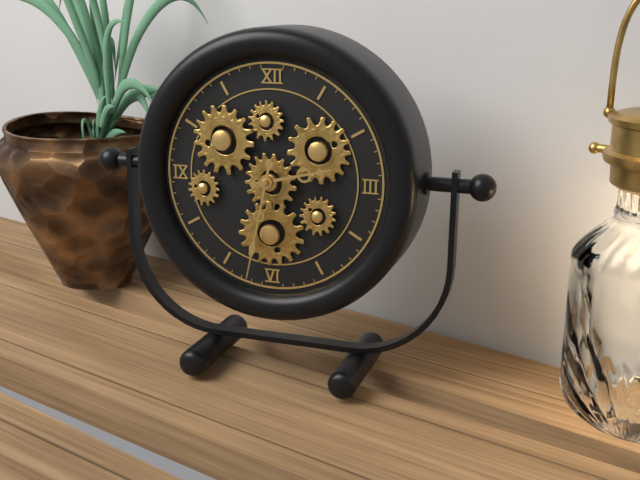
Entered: 2,32
